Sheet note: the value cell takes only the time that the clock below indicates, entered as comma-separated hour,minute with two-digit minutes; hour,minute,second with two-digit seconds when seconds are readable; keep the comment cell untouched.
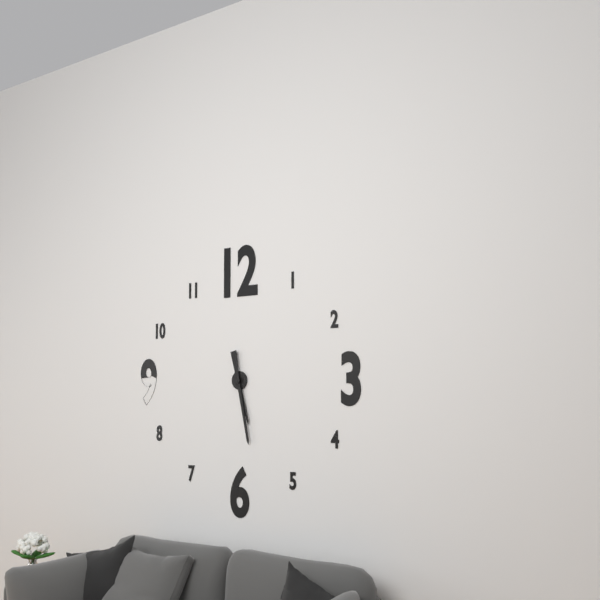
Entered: 5,28
